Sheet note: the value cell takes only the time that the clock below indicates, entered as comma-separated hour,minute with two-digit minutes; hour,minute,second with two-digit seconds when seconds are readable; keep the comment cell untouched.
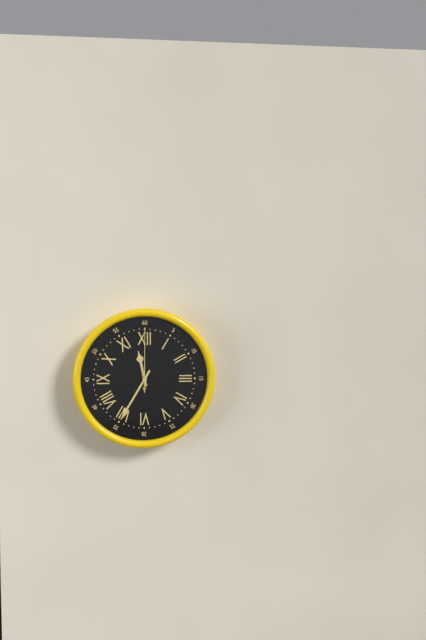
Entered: 11,35,00
